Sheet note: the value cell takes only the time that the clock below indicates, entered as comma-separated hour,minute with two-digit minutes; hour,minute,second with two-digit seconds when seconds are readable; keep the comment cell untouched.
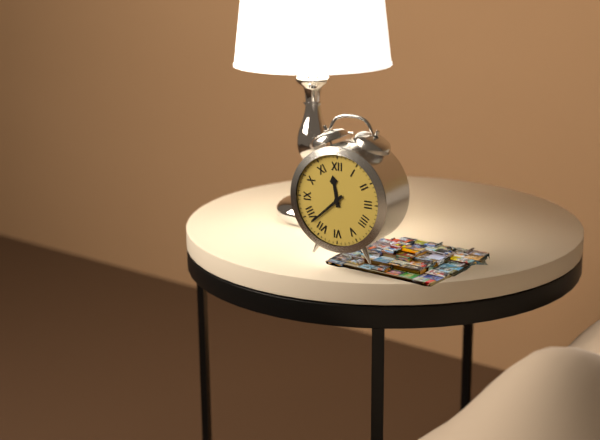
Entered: 11,38
